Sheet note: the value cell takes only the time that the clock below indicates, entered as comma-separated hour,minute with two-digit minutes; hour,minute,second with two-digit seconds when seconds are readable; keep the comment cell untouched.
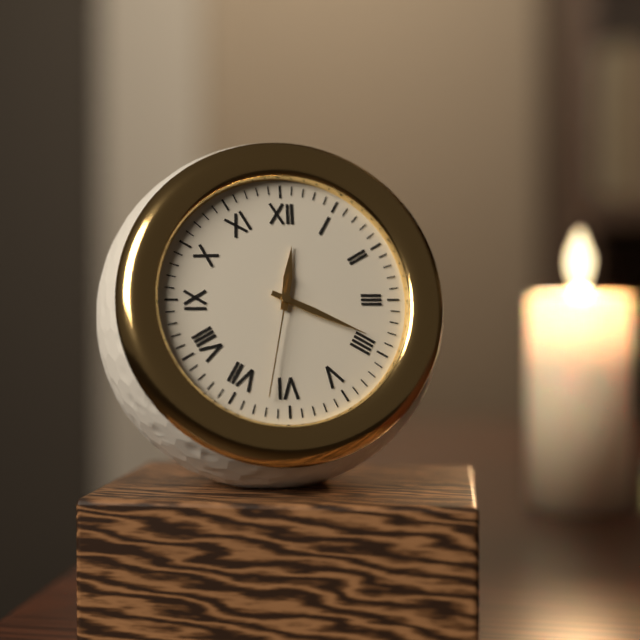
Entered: 12,19,32
